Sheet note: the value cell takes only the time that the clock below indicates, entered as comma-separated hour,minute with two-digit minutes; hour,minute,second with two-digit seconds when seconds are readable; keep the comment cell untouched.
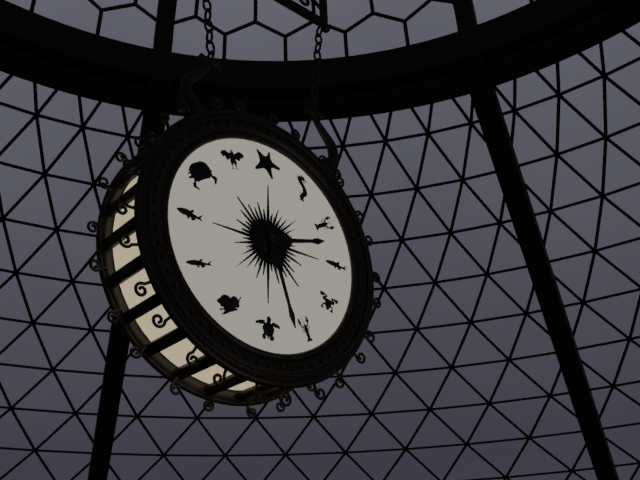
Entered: 2,27
